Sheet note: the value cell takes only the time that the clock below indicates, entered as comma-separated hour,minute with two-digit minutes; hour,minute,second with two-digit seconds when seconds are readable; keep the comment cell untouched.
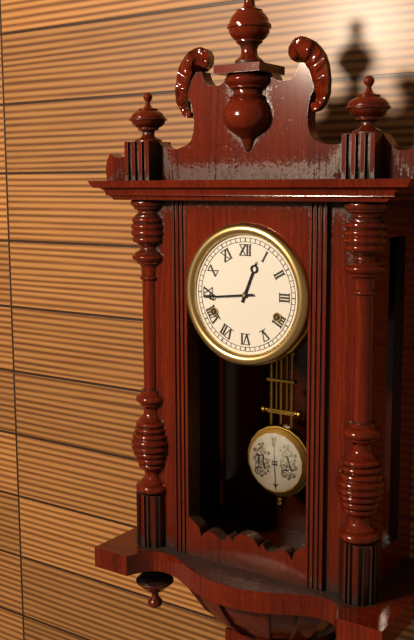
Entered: 12,44
